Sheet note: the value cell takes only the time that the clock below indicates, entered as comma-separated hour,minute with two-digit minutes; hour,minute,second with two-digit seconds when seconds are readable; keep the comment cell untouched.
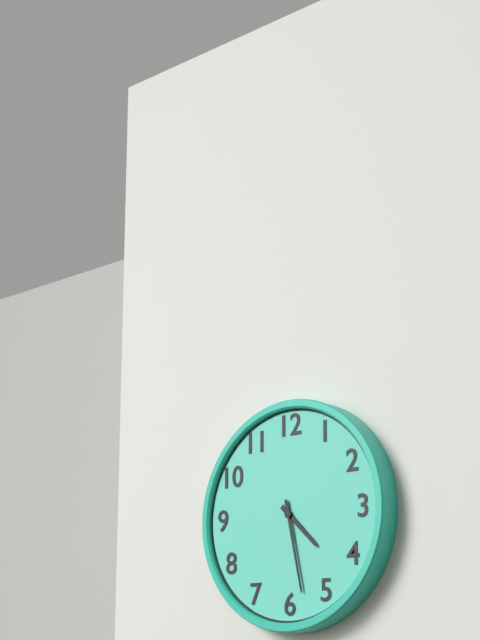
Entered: 4,28
